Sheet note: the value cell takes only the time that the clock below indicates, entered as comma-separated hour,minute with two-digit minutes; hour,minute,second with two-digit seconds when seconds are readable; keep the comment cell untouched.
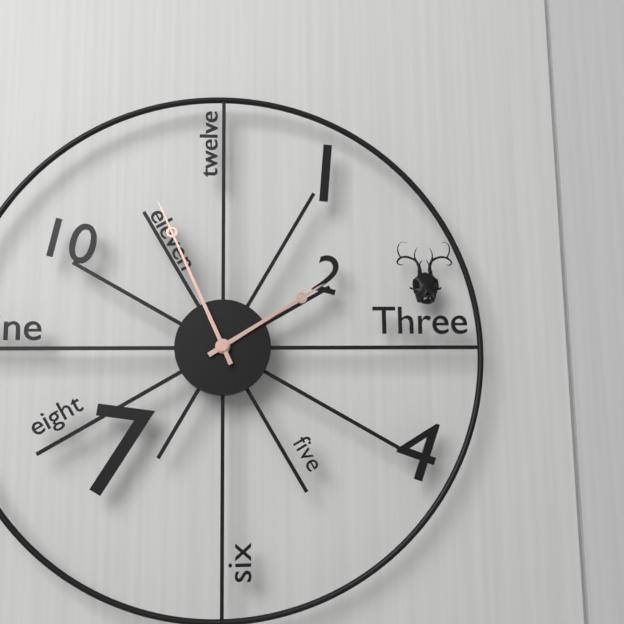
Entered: 1,56
